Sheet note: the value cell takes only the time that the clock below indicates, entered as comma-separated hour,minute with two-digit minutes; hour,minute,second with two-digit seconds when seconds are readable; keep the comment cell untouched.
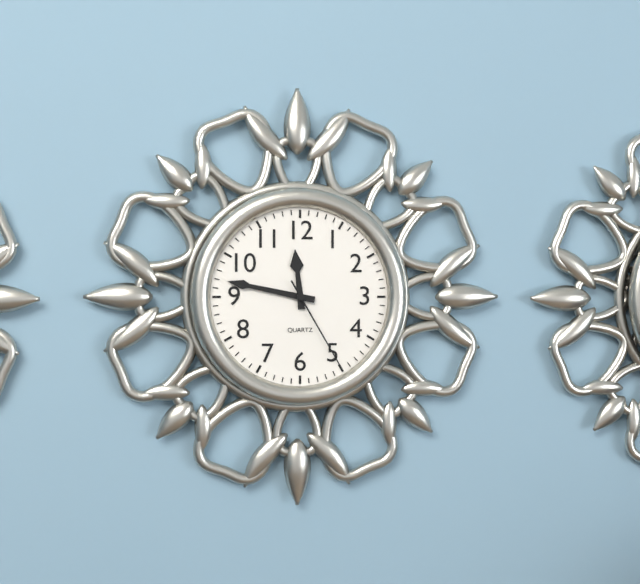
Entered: 11,47,25
